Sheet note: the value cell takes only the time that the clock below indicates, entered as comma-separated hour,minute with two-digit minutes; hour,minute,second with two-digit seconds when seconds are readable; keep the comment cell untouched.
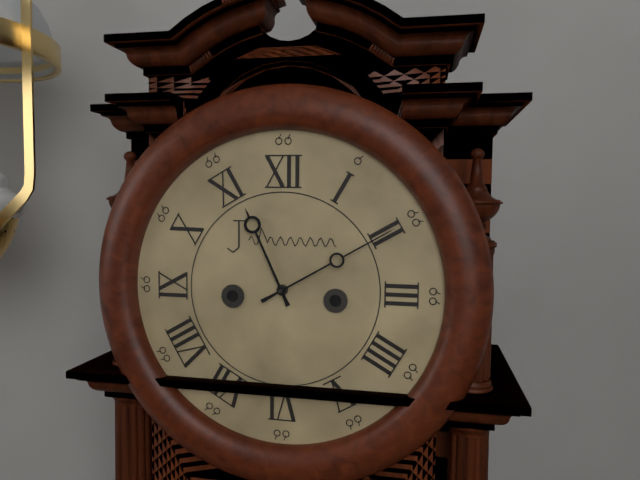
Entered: 11,10
